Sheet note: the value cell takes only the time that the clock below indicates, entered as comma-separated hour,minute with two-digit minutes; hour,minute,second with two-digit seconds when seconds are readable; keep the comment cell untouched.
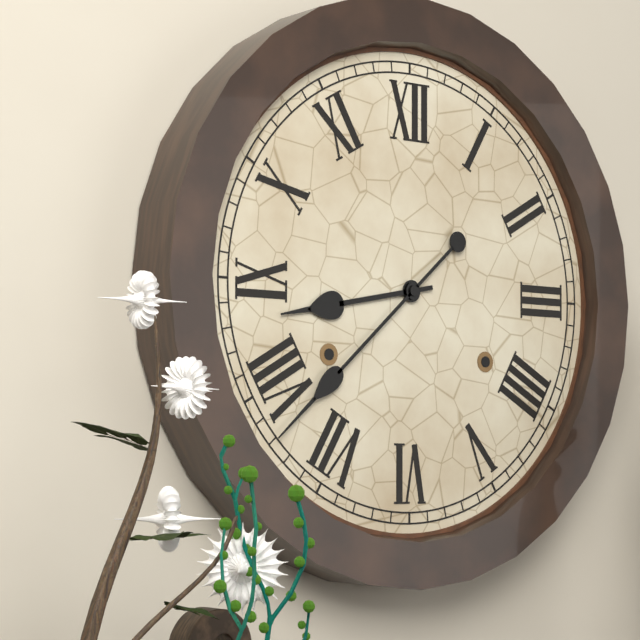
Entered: 8,38
